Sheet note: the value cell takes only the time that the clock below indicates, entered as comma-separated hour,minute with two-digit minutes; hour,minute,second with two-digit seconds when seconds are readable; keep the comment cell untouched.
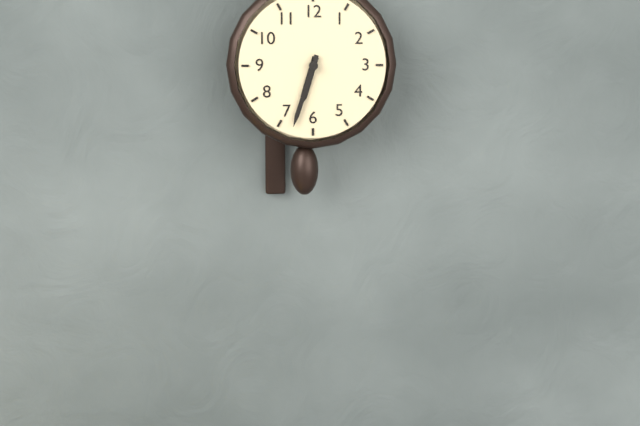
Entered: 6,33
